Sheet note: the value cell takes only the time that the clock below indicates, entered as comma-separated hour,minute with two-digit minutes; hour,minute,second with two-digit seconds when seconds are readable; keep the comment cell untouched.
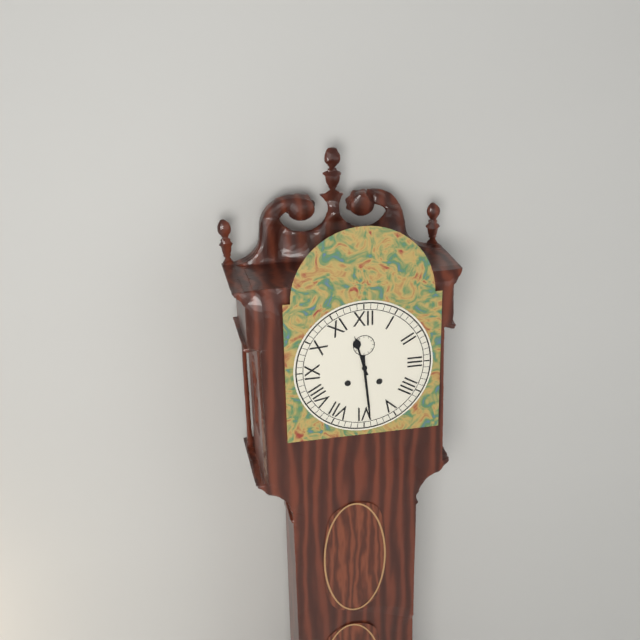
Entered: 11,29
